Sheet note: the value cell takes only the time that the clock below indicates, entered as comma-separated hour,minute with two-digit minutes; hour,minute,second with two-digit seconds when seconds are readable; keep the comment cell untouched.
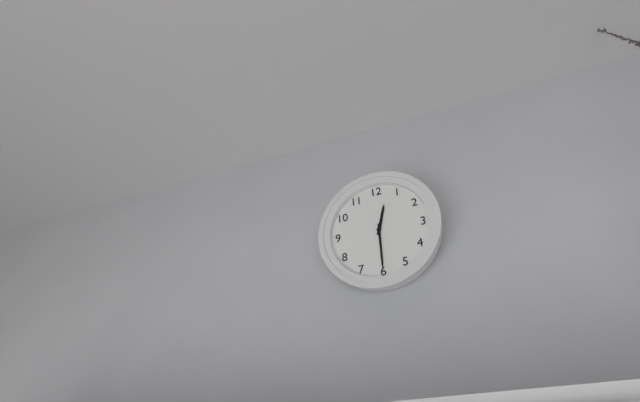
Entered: 12,30
